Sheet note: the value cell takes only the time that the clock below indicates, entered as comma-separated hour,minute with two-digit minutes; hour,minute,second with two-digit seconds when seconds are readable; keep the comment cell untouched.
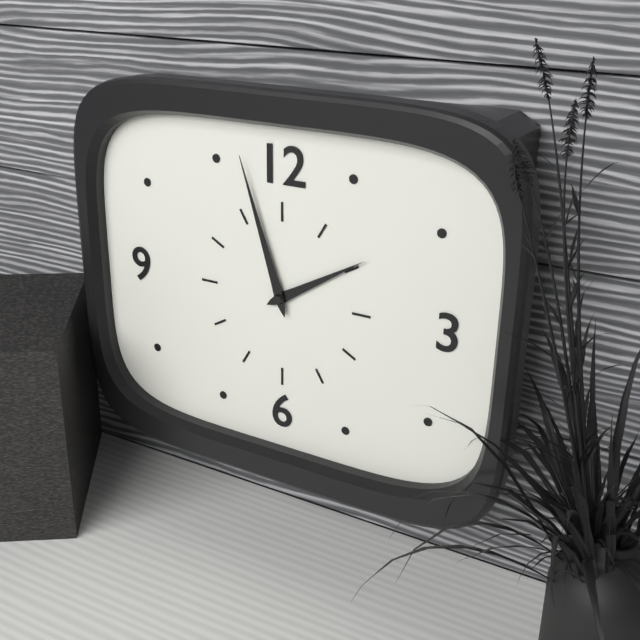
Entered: 1,57
